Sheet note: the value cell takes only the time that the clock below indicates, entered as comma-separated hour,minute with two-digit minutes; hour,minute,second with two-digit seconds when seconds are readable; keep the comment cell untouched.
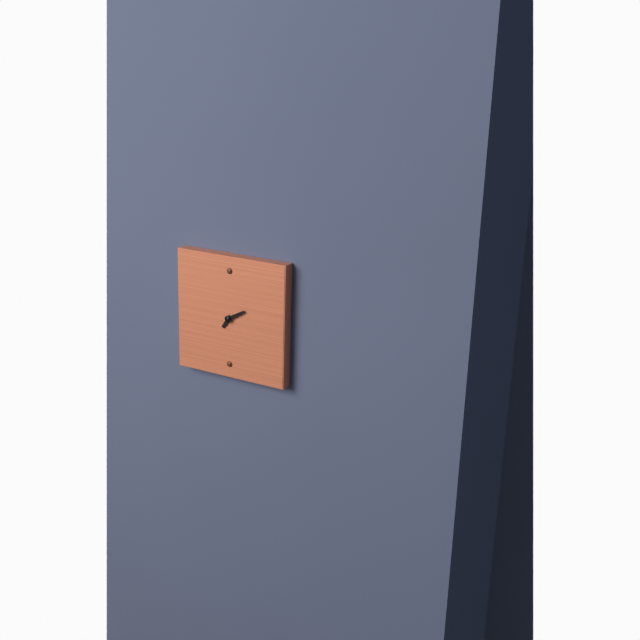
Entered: 7,10
